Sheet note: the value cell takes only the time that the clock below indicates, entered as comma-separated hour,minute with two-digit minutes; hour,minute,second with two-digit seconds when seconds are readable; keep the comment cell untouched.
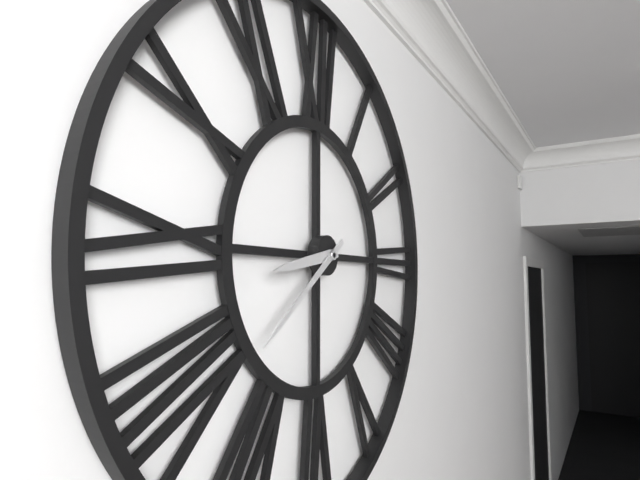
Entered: 8,39
